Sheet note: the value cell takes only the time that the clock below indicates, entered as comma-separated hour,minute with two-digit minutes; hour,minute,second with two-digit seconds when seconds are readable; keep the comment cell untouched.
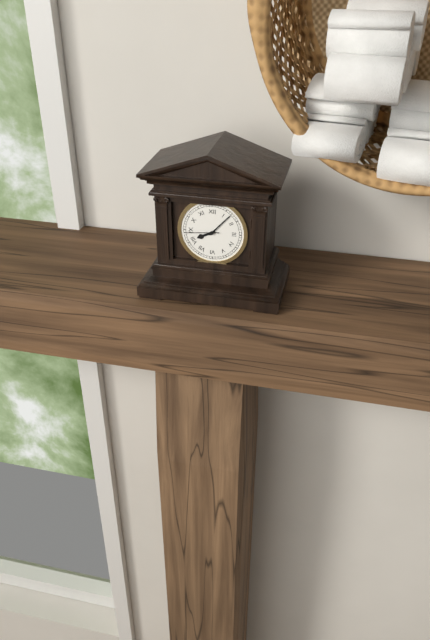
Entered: 8,07
